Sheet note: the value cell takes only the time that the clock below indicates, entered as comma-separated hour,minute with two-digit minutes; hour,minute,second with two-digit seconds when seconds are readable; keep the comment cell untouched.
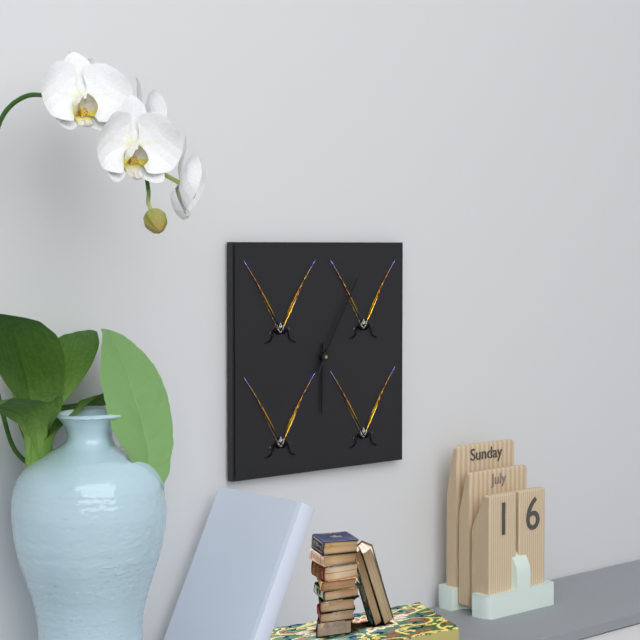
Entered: 6,05
